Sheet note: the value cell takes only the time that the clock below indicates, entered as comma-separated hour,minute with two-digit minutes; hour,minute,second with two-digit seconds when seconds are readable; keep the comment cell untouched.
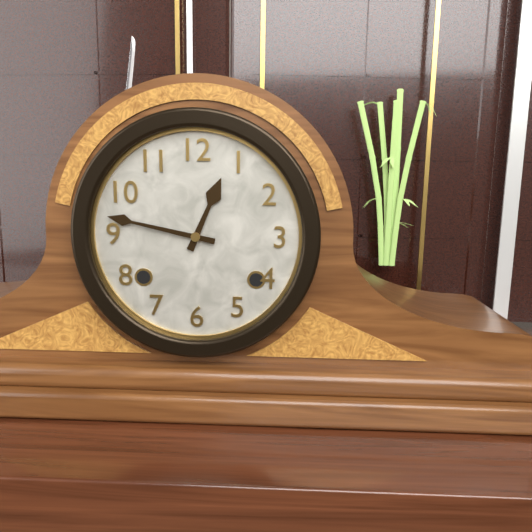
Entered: 12,47
